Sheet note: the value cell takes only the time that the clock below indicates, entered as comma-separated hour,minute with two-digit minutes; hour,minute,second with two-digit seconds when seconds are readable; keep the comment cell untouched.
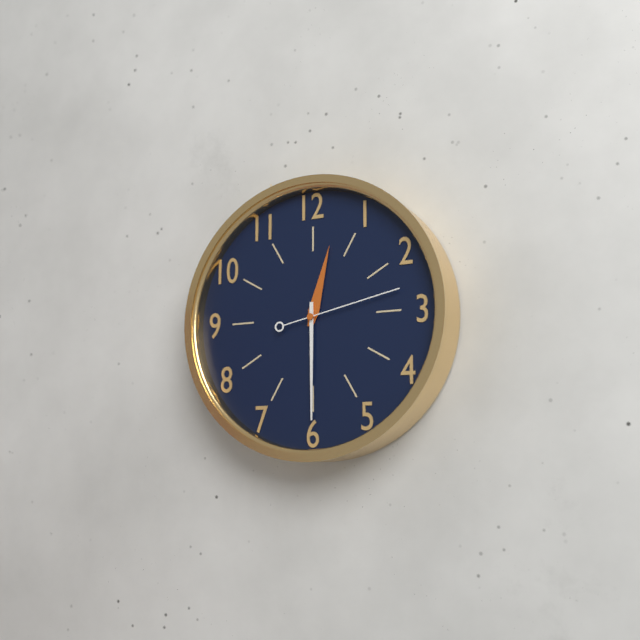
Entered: 12,30,13
